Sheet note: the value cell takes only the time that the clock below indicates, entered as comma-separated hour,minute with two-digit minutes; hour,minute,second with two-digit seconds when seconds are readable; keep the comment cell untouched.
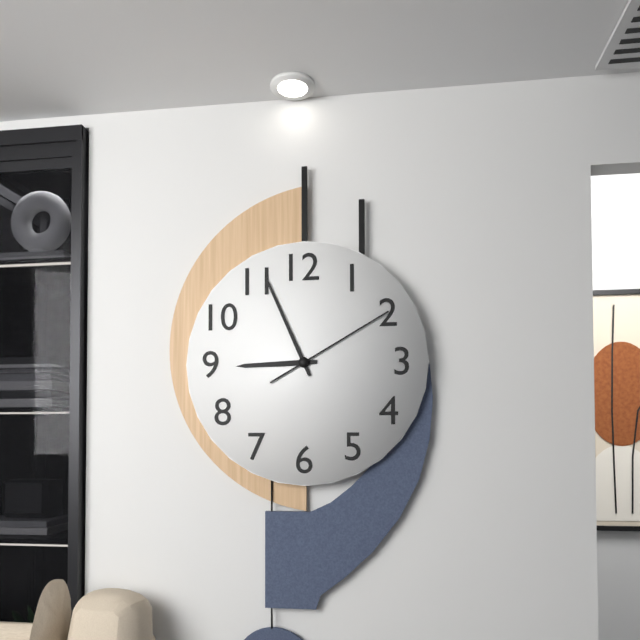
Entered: 8,56,10
